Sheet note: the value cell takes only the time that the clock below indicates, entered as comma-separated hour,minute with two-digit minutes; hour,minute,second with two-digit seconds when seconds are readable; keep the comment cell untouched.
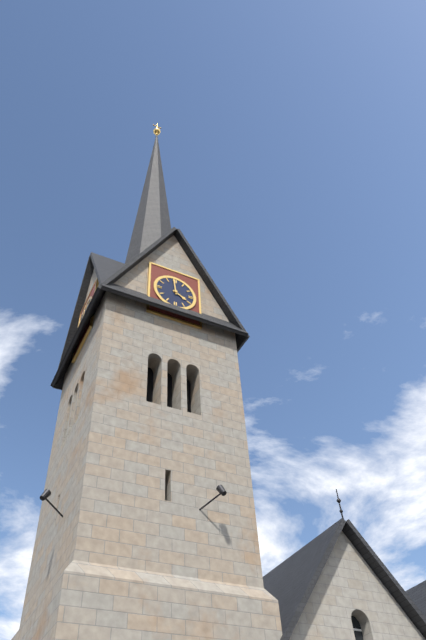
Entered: 3,59
